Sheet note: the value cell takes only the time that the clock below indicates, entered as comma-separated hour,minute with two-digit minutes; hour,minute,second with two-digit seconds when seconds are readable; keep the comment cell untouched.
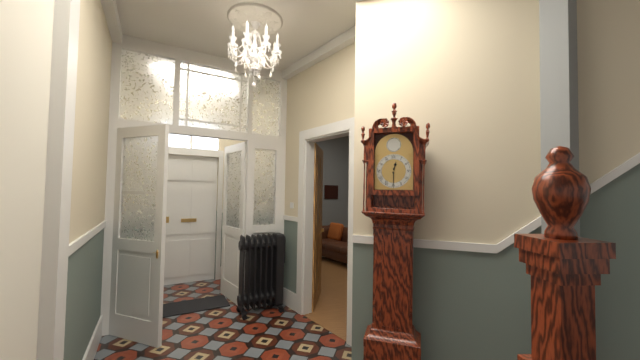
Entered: 12,30
